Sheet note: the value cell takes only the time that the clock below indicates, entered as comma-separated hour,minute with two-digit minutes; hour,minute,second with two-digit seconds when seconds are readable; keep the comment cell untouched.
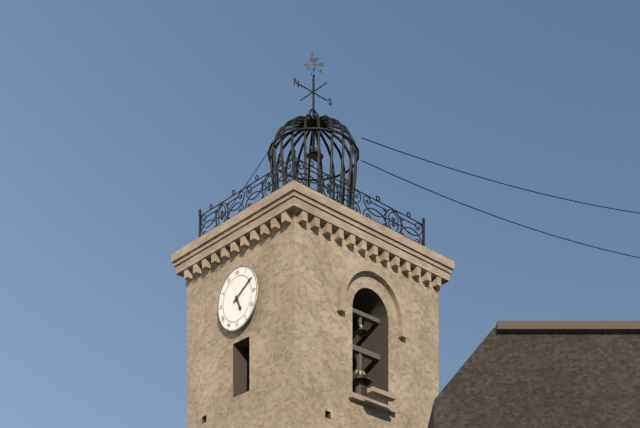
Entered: 5,10
